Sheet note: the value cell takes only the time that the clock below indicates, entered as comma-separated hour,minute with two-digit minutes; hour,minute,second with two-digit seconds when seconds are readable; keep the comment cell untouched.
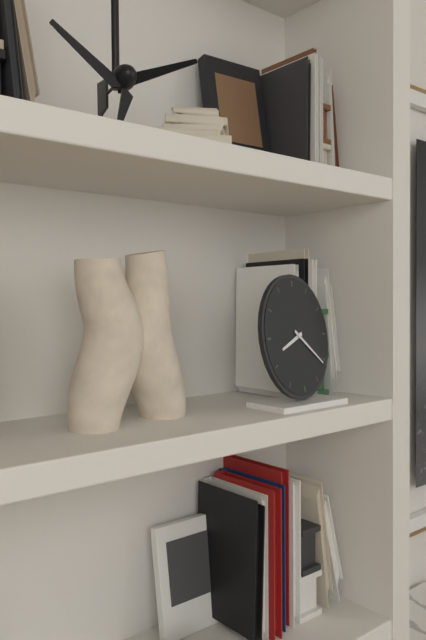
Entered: 8,21
